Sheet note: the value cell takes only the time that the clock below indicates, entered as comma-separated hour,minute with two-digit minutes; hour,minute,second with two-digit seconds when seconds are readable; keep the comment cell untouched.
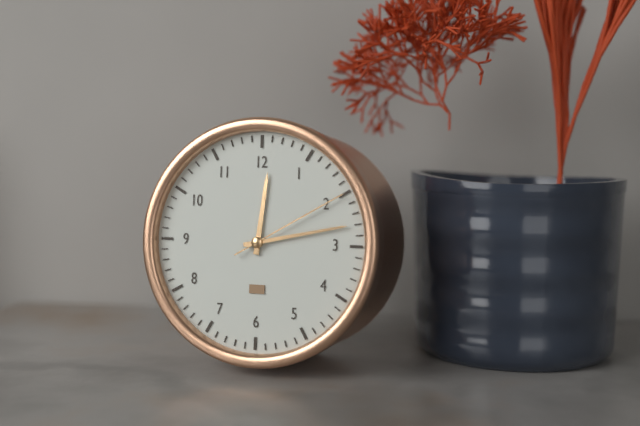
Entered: 12,13,10
